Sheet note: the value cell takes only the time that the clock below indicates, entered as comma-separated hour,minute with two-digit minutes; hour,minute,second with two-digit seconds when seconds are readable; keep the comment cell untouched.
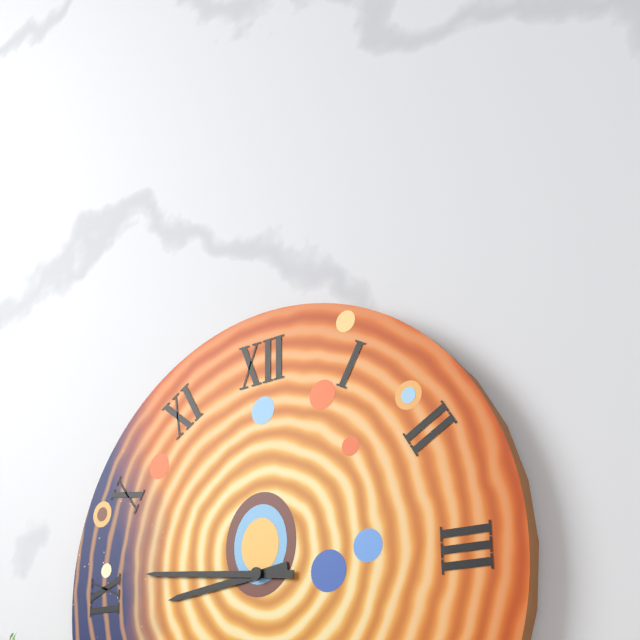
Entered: 8,46
